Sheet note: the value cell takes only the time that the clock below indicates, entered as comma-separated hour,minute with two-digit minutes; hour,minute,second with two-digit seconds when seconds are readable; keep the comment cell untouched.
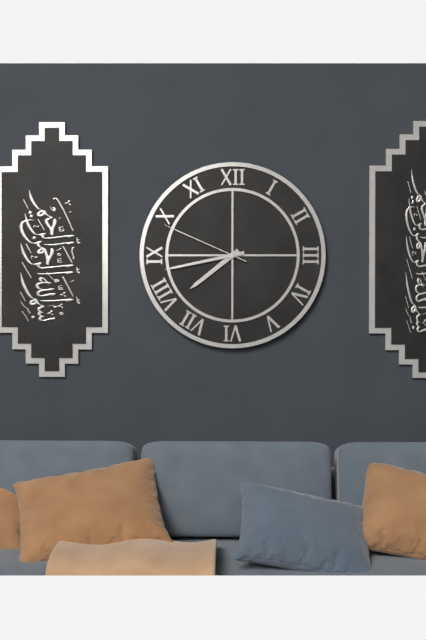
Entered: 7,43,49
